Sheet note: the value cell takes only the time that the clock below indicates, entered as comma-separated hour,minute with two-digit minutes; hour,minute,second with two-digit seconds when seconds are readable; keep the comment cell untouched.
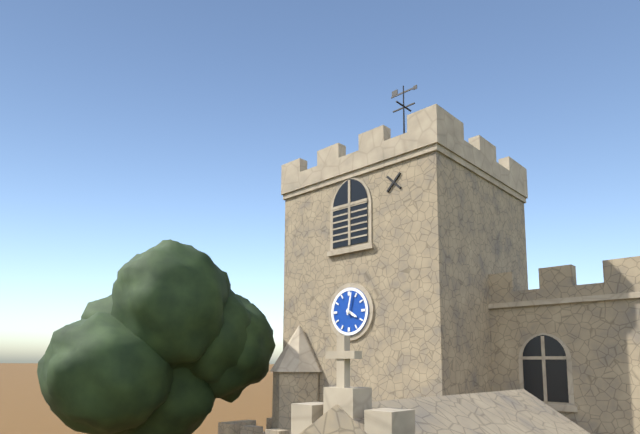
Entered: 4,02
